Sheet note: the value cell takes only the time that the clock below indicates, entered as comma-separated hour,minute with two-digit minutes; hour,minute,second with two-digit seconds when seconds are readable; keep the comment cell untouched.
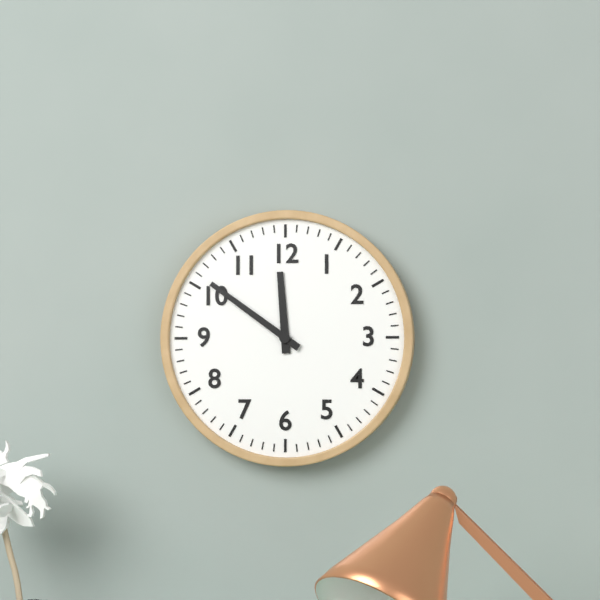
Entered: 11,51
